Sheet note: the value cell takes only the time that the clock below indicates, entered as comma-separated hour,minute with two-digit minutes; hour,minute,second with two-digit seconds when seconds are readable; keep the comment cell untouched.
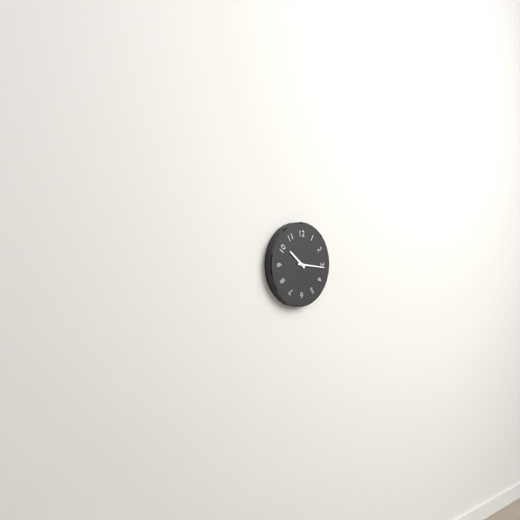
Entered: 10,16
